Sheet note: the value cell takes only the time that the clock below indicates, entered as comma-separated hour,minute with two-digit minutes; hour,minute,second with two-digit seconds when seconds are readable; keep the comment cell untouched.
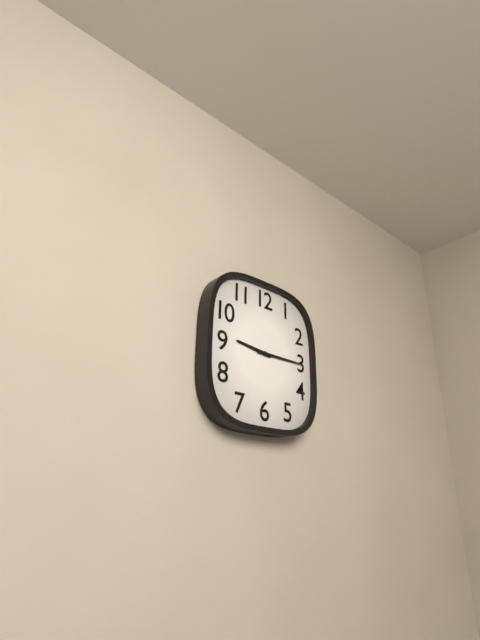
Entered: 9,15
